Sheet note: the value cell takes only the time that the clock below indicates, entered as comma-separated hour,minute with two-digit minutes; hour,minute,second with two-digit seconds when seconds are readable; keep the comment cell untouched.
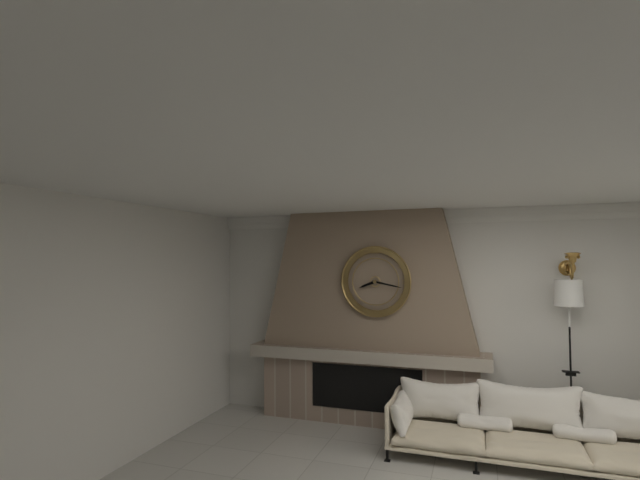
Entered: 8,17
